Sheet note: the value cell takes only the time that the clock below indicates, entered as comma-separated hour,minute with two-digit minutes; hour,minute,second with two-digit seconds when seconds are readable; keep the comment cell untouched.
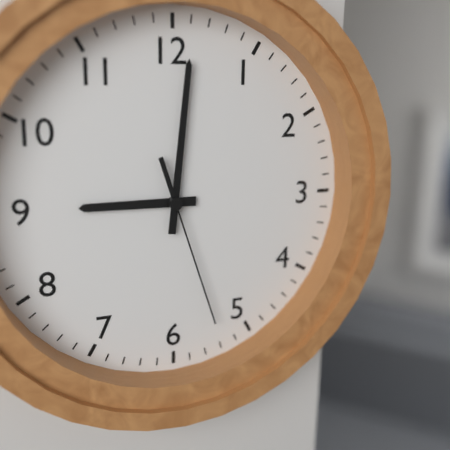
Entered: 9,01,27
